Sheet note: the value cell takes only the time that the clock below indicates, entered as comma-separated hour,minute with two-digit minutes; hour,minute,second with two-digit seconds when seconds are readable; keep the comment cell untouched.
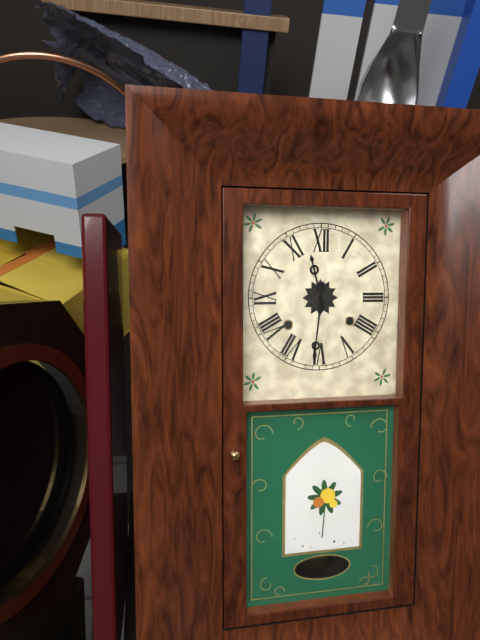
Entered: 11,31
